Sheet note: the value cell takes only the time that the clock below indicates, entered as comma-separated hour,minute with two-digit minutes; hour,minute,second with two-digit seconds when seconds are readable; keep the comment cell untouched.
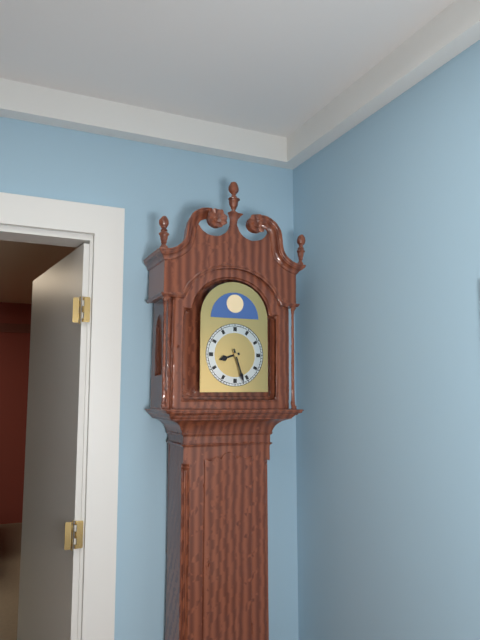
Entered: 8,27
